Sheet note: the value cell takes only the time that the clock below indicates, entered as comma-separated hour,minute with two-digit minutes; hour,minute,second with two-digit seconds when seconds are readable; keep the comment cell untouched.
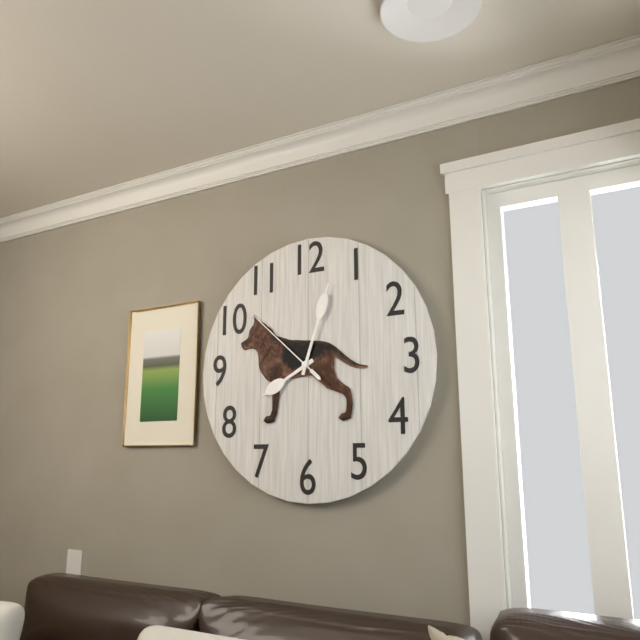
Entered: 8,03,52
